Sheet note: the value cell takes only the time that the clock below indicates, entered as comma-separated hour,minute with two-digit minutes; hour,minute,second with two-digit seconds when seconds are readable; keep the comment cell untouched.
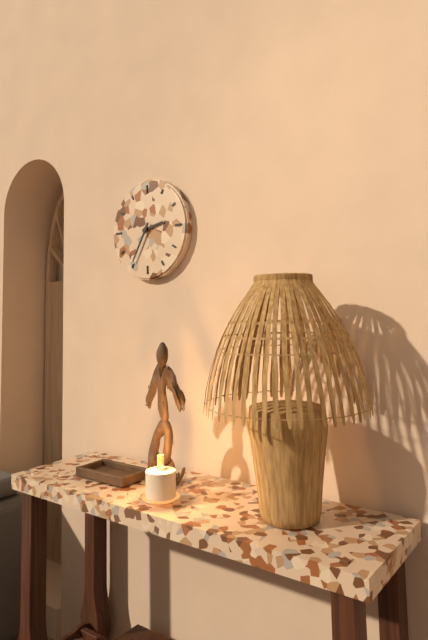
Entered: 2,35
